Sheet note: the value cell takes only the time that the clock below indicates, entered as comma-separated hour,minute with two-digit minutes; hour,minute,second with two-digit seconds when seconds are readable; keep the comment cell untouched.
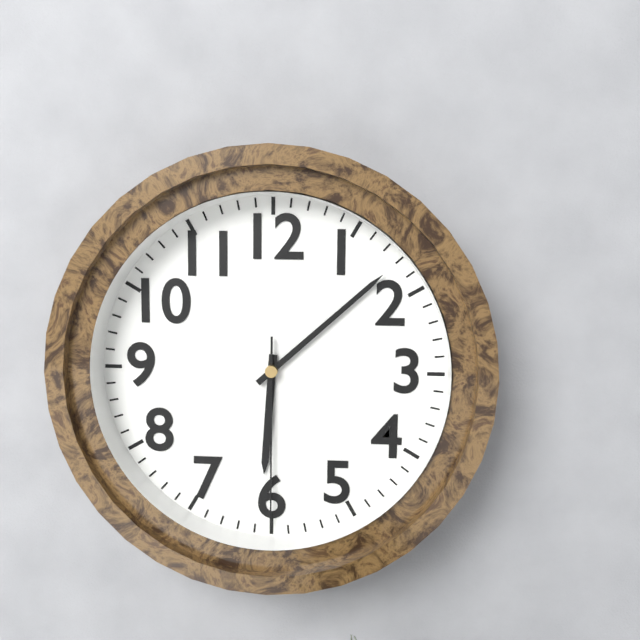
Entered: 6,08,30
